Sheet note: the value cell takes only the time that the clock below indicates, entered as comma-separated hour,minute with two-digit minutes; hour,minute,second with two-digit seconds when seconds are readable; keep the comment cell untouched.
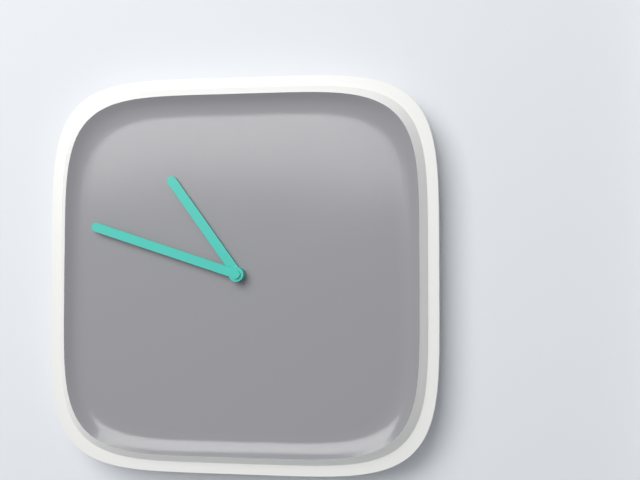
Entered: 10,48
